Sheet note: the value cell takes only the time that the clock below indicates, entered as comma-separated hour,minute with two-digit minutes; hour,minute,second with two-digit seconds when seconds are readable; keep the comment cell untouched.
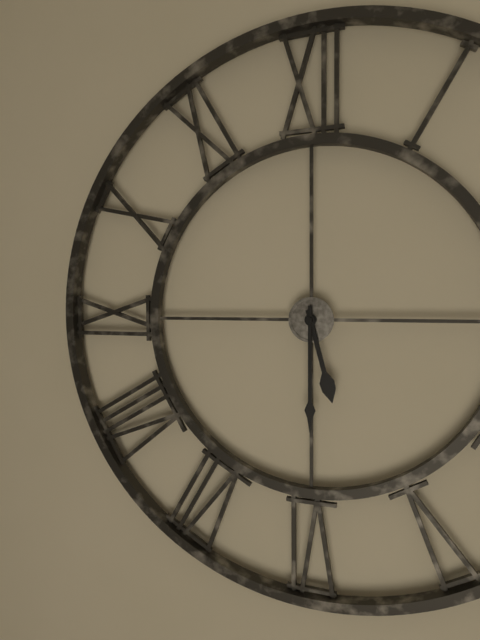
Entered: 5,30
